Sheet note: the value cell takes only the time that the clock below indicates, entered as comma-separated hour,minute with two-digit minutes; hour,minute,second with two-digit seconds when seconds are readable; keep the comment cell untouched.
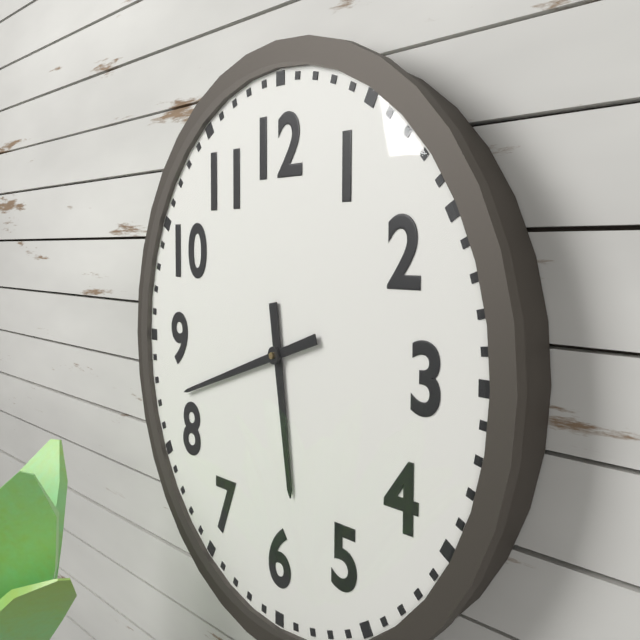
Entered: 5,42
